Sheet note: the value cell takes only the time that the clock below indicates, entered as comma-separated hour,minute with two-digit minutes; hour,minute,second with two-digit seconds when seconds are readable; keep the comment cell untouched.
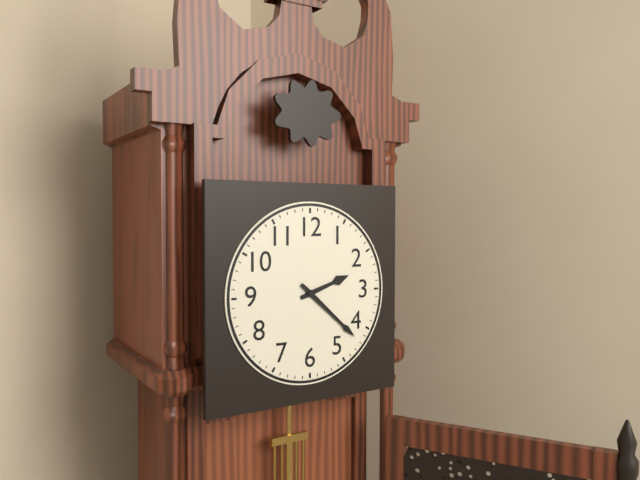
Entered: 2,22
